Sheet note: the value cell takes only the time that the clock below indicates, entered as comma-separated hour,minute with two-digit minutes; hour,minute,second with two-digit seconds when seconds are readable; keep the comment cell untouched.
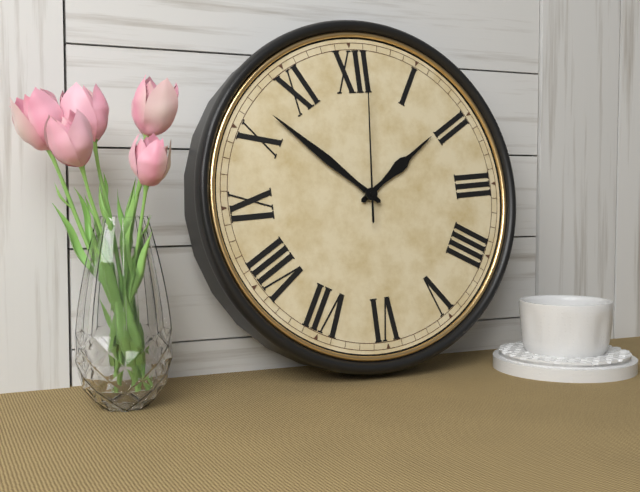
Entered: 1,52,01
